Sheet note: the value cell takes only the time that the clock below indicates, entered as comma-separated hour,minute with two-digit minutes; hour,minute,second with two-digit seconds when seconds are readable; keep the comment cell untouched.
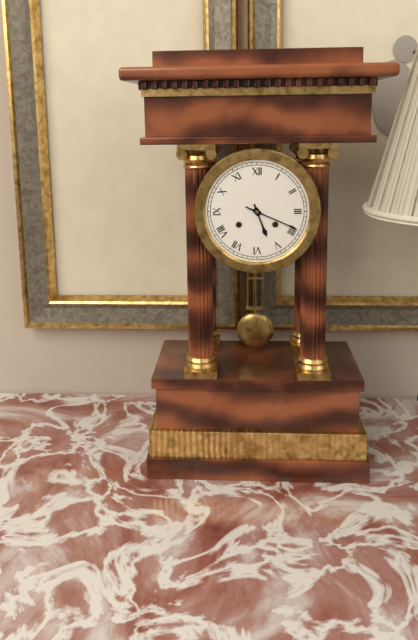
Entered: 5,19
